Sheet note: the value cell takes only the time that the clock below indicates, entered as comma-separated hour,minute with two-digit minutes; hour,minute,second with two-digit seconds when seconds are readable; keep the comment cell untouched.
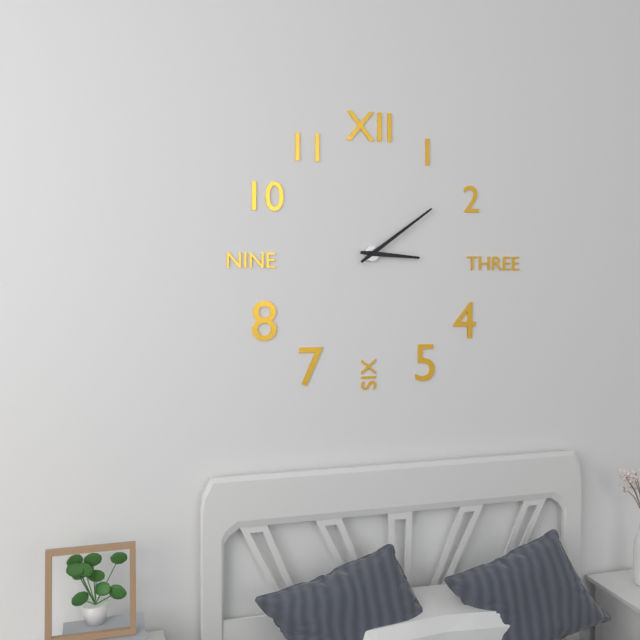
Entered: 3,09
